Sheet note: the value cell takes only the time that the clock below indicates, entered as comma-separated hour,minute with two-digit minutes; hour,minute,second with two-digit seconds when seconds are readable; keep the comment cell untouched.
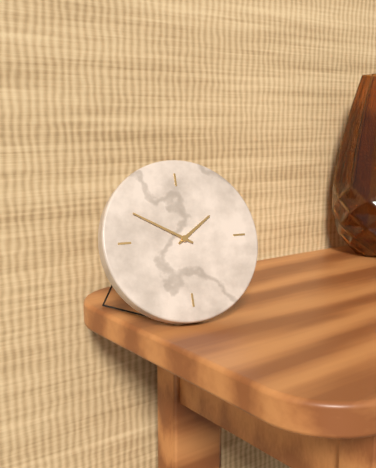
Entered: 1,50
